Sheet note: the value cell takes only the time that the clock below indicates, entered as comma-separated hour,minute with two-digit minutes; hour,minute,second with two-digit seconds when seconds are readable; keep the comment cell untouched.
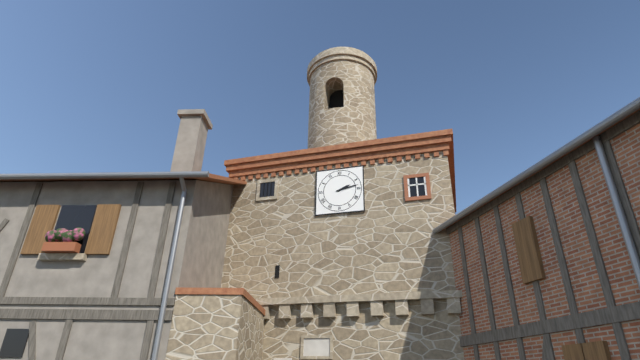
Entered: 2,13
